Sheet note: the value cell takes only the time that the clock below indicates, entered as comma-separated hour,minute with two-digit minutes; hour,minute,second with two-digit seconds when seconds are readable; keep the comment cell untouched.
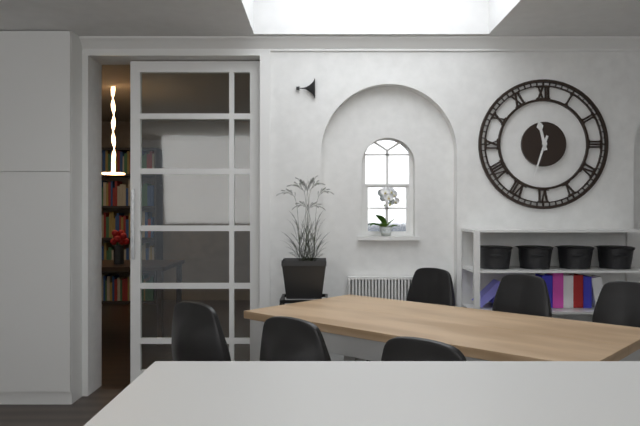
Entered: 11,33
